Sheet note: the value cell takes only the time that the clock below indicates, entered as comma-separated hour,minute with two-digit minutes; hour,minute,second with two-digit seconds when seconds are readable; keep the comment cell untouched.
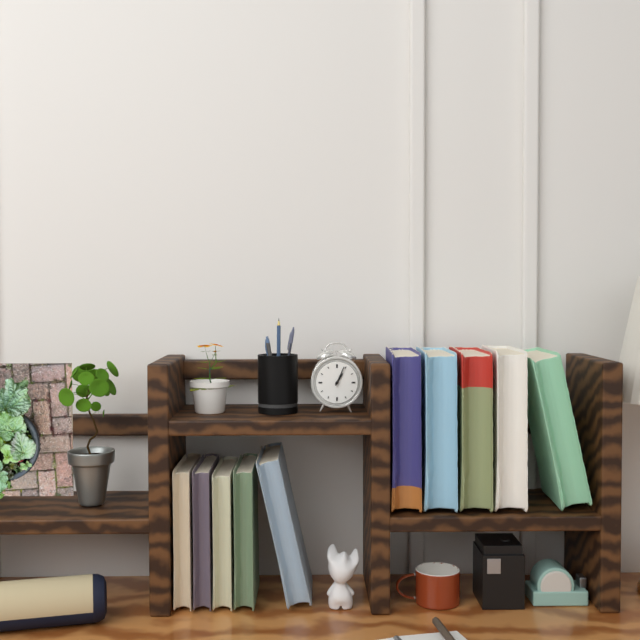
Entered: 1,04
